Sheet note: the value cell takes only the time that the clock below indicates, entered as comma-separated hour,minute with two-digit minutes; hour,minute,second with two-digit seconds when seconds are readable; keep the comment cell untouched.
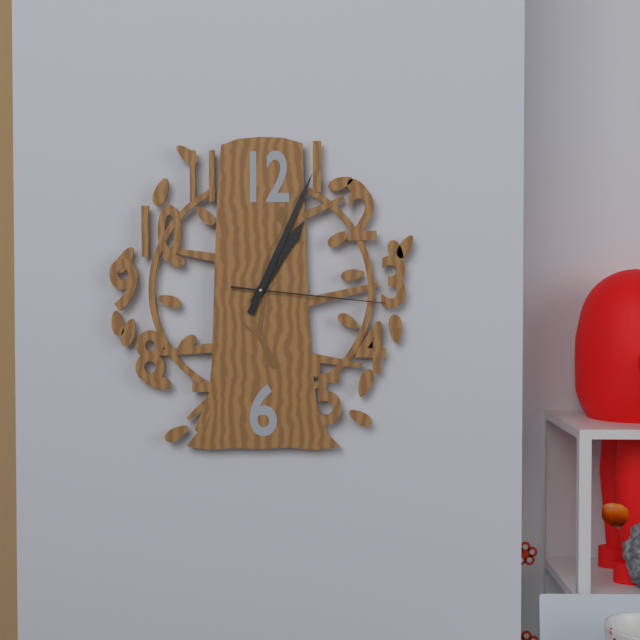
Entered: 1,04,16
